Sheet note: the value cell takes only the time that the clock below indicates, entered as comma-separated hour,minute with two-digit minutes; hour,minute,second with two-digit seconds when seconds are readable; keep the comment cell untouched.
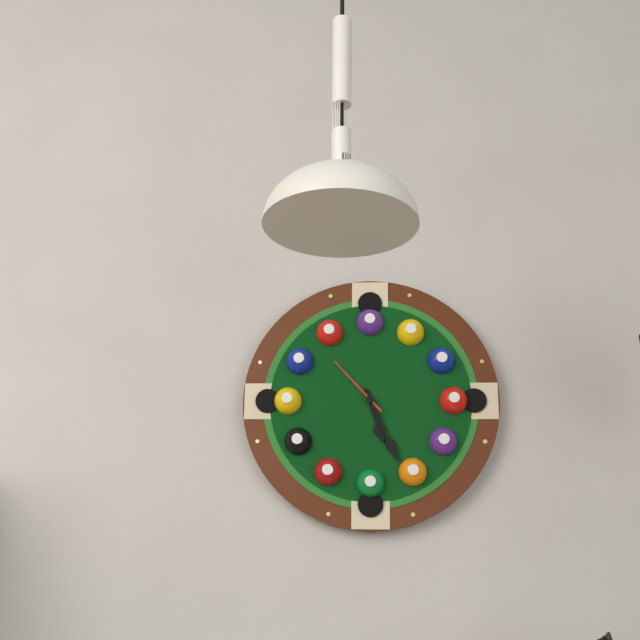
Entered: 5,26,53
